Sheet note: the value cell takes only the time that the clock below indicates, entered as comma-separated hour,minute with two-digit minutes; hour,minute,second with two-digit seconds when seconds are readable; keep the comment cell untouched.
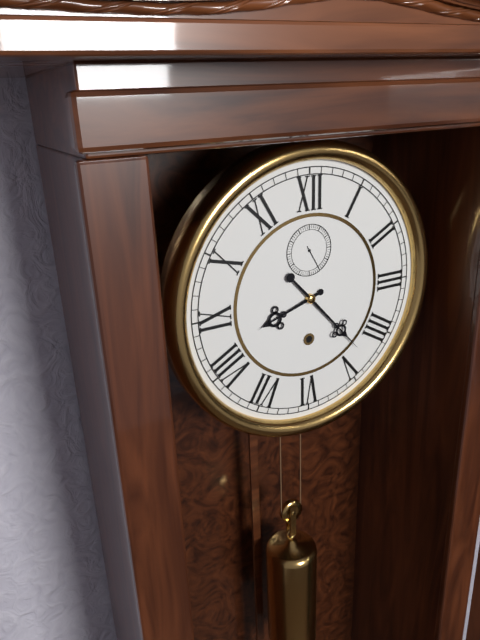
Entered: 8,23
